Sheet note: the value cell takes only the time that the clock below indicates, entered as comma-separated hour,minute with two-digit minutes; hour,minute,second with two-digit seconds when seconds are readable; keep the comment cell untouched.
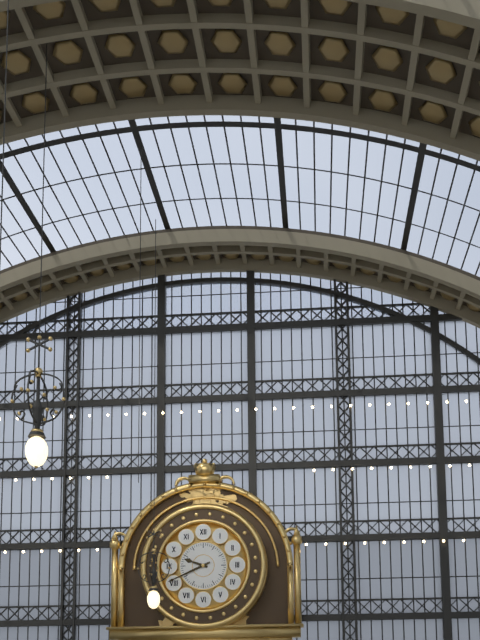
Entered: 9,41
